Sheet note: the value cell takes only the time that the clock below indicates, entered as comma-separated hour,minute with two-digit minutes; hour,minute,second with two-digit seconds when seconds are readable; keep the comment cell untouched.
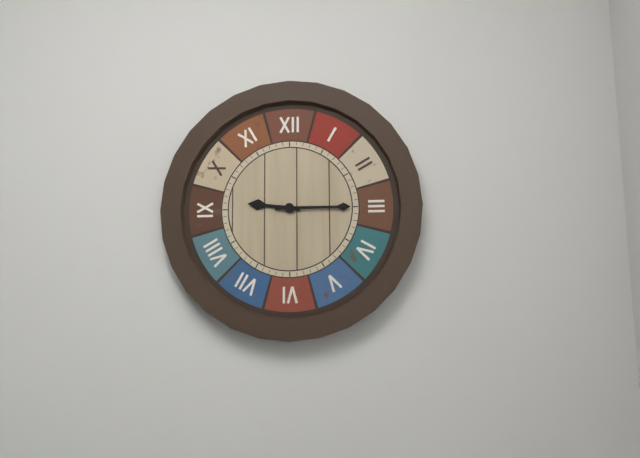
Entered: 9,15
